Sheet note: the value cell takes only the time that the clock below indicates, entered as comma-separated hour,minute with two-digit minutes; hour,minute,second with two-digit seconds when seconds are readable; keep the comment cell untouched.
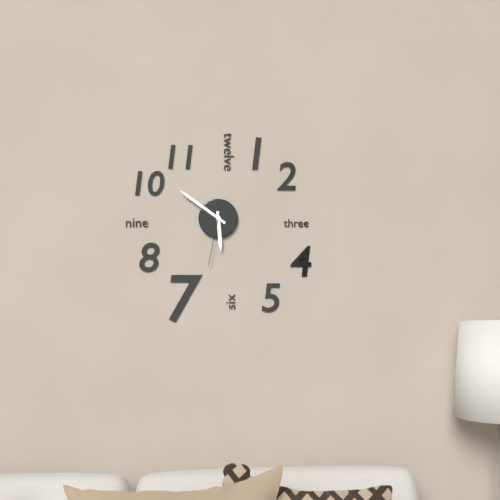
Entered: 5,51,32
